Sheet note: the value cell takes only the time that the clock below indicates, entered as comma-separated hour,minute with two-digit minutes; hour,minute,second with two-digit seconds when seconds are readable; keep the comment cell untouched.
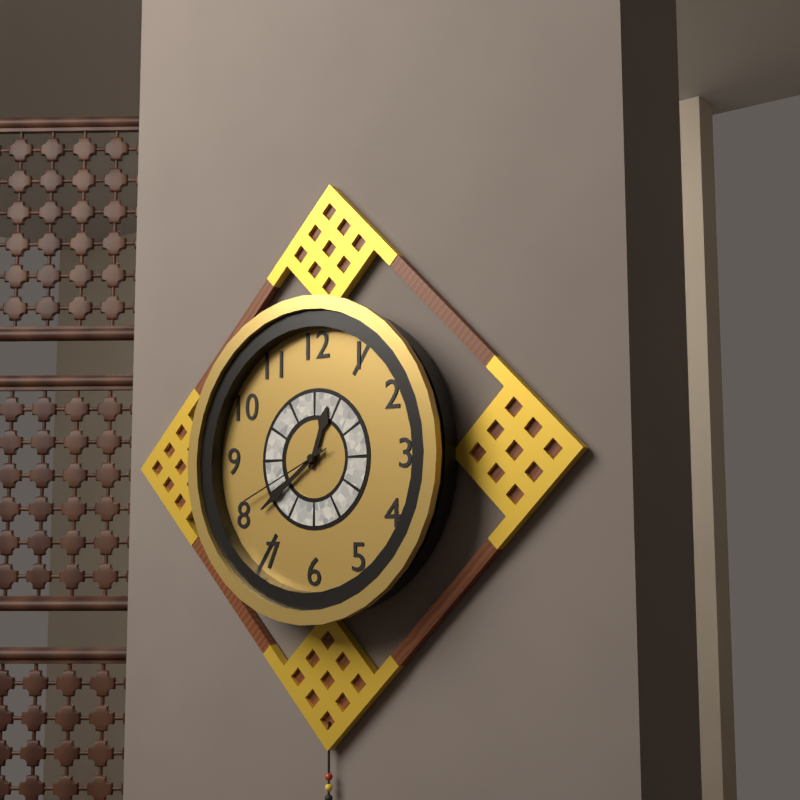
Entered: 12,39,41
